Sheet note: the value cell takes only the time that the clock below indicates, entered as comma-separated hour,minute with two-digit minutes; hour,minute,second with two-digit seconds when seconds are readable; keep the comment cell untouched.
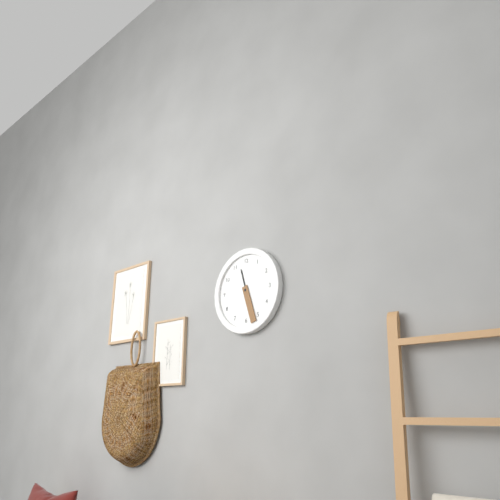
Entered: 11,27
